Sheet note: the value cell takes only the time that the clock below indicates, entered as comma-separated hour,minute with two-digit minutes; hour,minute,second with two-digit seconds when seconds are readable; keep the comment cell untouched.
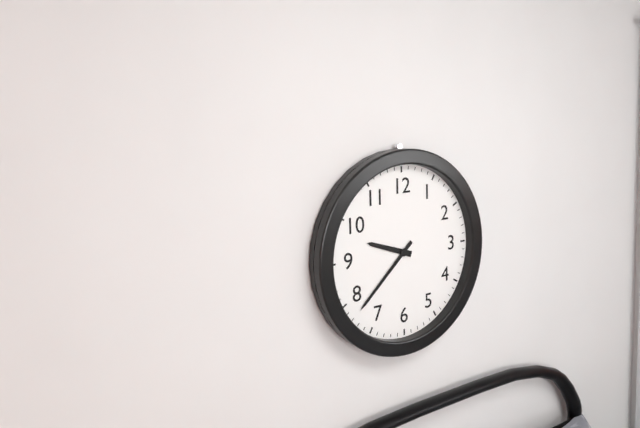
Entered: 9,38
